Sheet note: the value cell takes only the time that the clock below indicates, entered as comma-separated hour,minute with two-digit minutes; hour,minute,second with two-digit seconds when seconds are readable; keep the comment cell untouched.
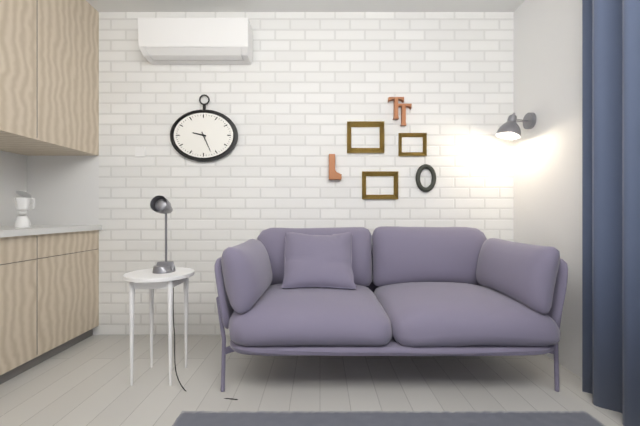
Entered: 9,26
